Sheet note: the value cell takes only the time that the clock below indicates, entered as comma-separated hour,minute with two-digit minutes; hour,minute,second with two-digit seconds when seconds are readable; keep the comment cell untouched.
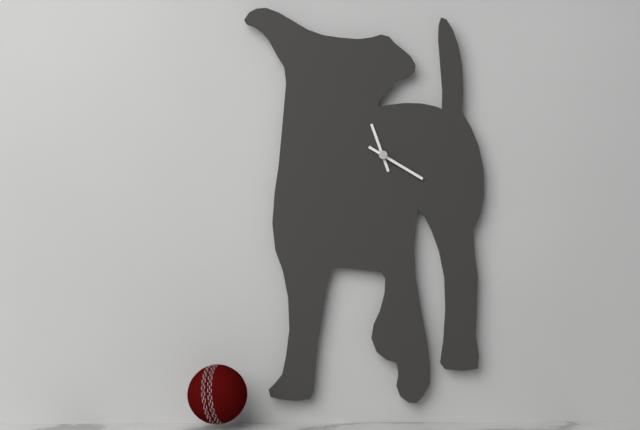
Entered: 11,20
